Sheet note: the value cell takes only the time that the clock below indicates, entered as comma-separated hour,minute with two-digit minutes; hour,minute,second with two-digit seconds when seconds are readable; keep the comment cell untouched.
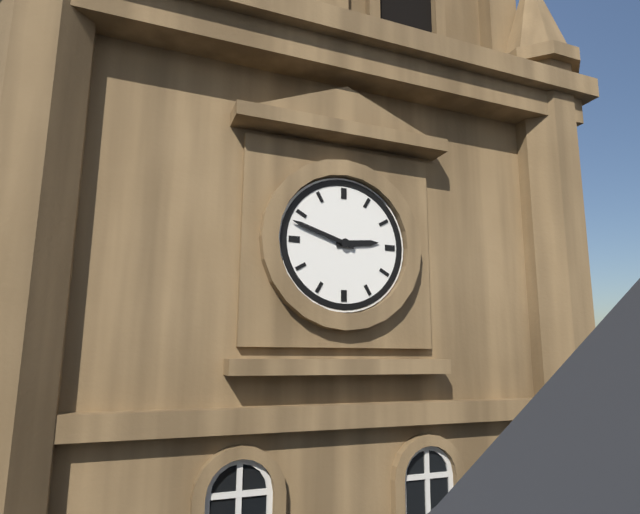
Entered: 2,48
